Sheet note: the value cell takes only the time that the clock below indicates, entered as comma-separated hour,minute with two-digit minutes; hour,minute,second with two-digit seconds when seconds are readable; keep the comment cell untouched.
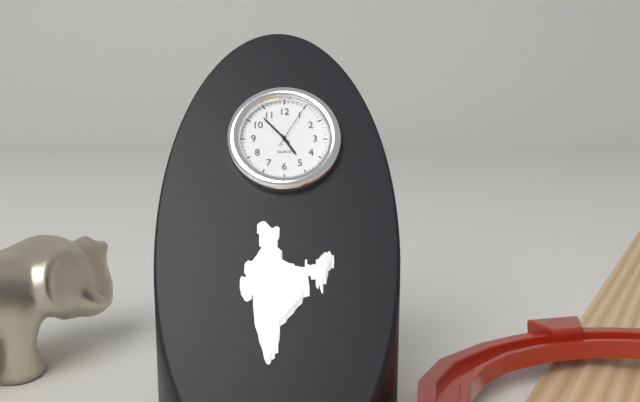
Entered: 4,53
